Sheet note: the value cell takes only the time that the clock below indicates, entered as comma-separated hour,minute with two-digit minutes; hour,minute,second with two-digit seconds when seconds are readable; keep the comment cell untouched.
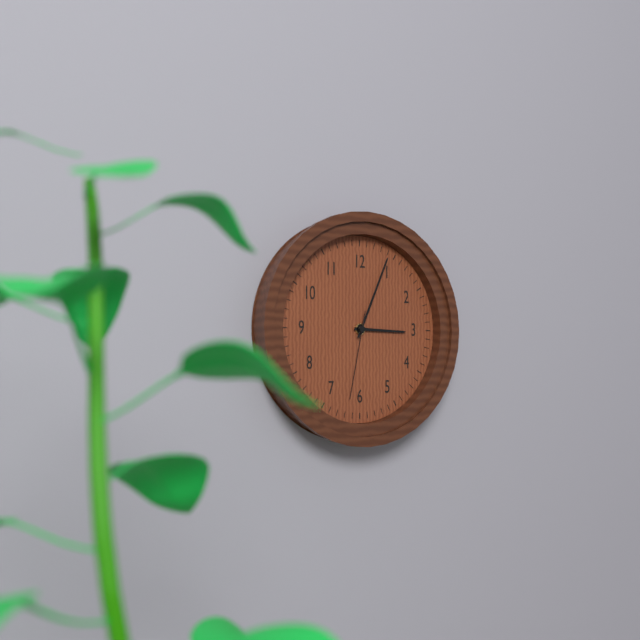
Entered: 3,04,32
